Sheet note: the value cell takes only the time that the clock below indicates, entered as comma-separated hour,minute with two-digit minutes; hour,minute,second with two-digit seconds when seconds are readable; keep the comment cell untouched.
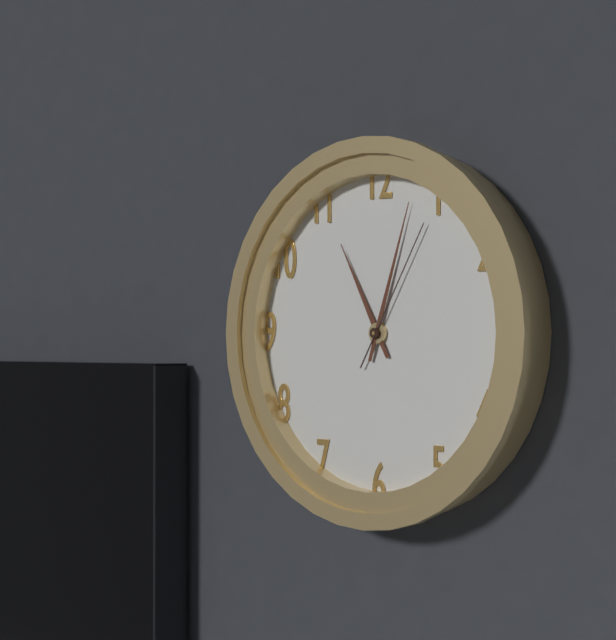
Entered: 11,03,05
